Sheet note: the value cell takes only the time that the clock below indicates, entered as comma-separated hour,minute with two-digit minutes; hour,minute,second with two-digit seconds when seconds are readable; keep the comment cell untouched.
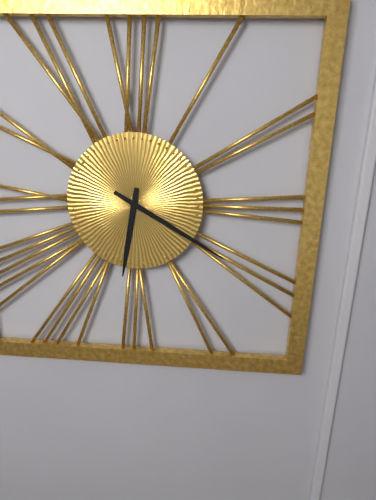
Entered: 6,20
